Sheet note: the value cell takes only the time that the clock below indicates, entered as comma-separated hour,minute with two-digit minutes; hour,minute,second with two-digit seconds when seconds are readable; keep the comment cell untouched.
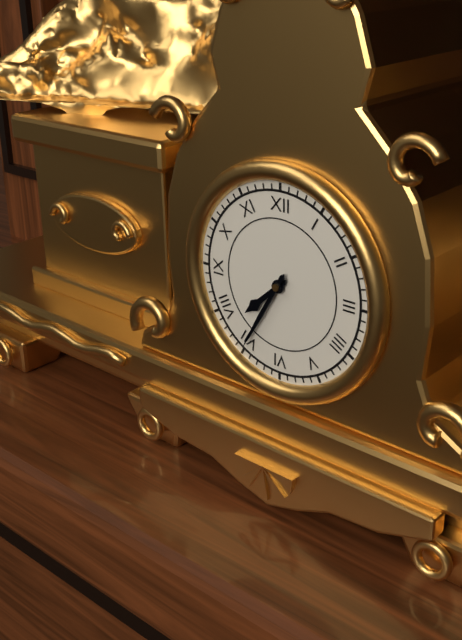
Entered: 7,35
